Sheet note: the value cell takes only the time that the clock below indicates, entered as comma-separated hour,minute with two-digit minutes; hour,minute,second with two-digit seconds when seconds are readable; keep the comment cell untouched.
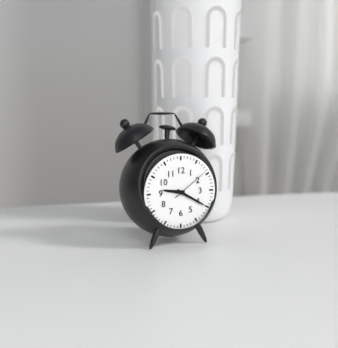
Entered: 9,20
